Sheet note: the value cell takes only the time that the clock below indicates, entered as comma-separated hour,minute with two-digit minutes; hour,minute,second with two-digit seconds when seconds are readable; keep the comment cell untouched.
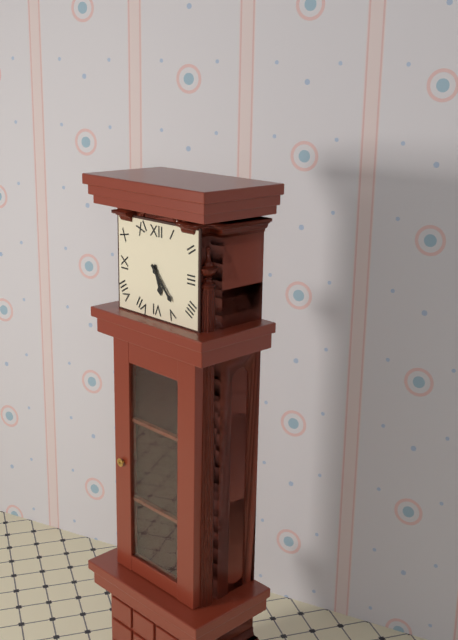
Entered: 5,23
